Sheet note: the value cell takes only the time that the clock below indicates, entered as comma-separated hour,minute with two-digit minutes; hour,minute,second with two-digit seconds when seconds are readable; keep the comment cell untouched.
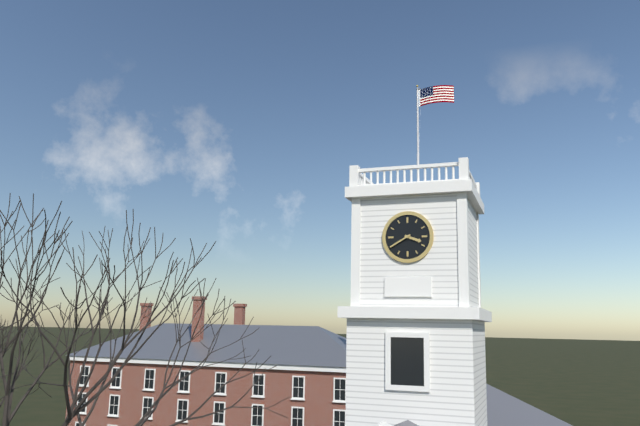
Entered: 3,40
